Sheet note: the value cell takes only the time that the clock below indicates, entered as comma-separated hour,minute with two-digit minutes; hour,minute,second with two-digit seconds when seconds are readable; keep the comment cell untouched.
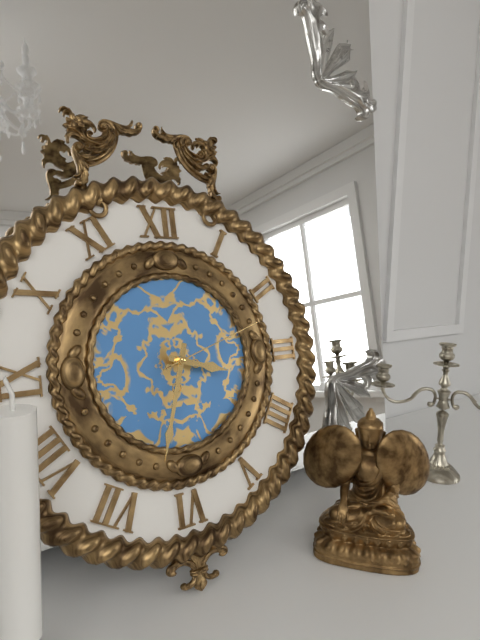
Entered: 3,33,12
